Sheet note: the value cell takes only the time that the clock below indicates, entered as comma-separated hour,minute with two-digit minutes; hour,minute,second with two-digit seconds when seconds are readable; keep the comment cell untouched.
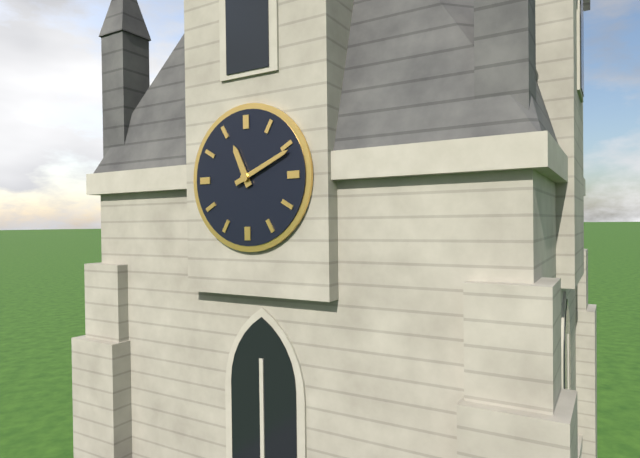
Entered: 11,11
